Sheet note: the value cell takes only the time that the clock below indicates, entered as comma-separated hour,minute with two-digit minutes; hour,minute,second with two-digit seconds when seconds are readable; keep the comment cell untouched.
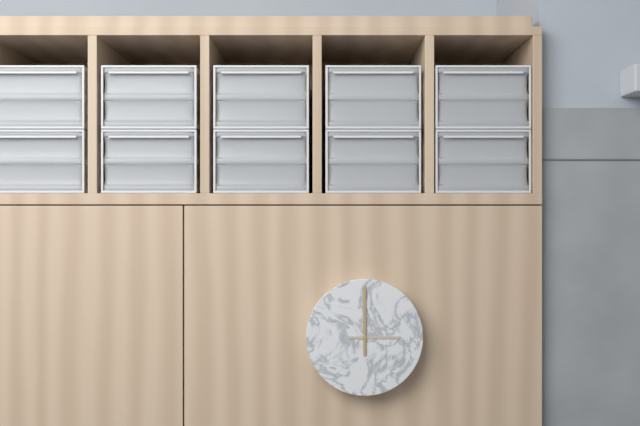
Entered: 3,00
